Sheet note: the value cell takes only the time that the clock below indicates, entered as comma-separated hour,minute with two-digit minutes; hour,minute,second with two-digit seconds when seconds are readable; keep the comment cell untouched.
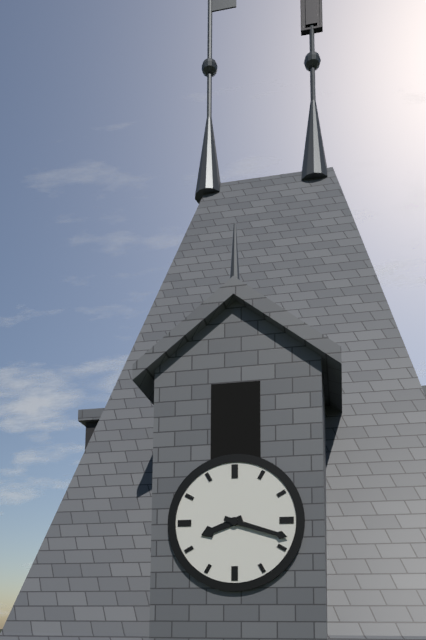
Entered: 8,18
